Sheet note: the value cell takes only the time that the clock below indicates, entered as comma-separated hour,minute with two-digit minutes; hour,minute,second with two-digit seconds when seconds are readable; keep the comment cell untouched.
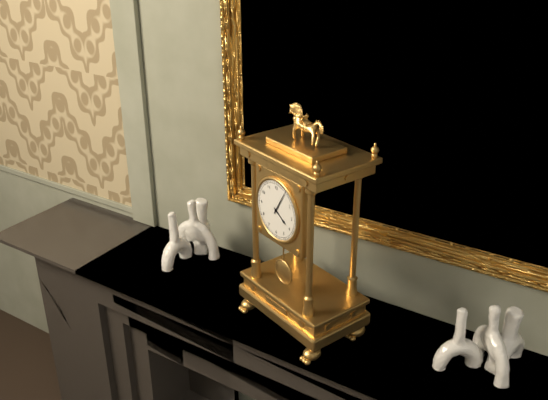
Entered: 4,05
